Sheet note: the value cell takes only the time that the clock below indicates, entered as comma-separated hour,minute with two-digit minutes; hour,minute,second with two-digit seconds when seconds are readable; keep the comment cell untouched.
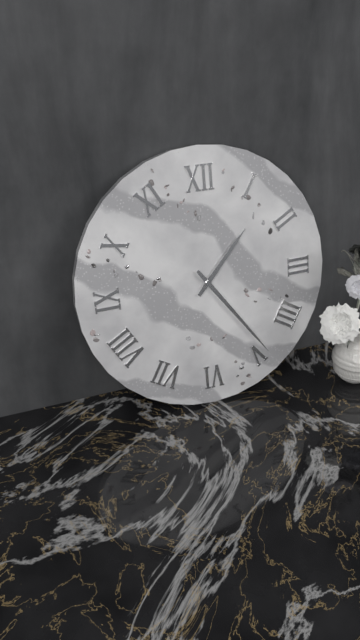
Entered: 1,24
